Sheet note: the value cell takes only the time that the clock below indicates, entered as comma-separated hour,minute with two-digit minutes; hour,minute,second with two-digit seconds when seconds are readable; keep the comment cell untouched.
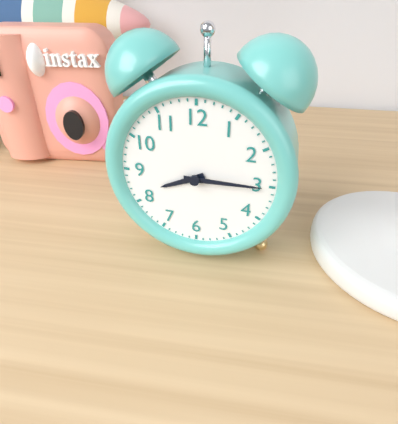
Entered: 8,15
